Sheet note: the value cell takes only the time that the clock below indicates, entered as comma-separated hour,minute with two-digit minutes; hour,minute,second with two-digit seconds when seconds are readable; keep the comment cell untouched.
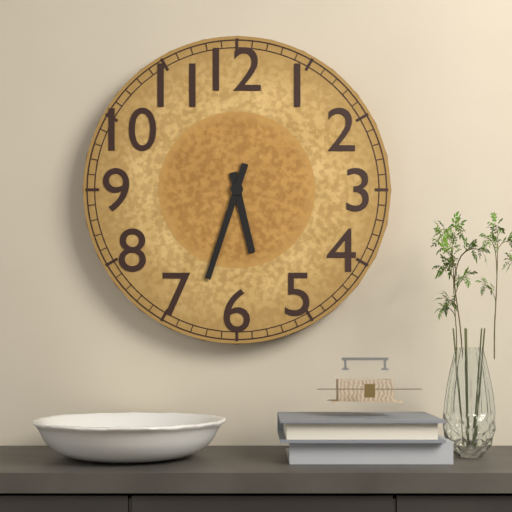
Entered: 5,33
